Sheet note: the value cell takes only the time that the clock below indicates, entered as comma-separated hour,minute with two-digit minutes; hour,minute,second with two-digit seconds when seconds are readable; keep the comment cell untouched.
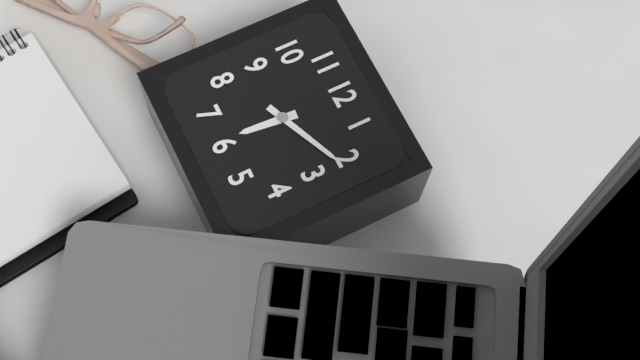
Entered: 6,11
